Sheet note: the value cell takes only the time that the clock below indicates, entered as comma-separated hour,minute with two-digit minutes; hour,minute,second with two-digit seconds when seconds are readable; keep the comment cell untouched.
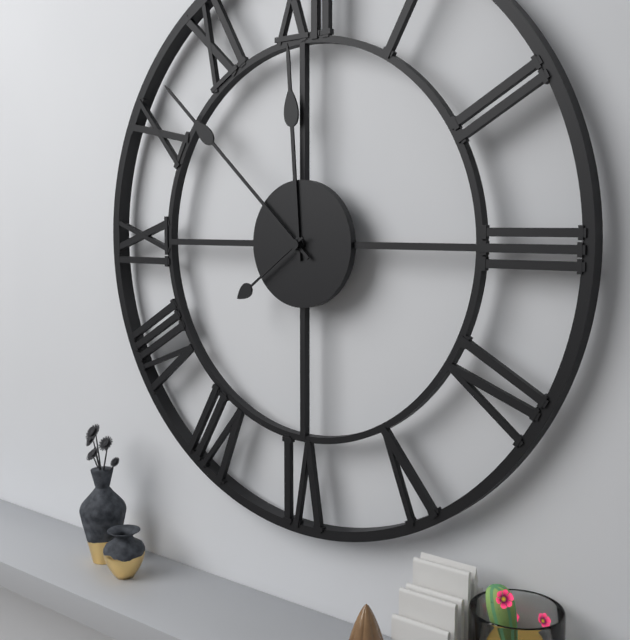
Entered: 11,52,39
